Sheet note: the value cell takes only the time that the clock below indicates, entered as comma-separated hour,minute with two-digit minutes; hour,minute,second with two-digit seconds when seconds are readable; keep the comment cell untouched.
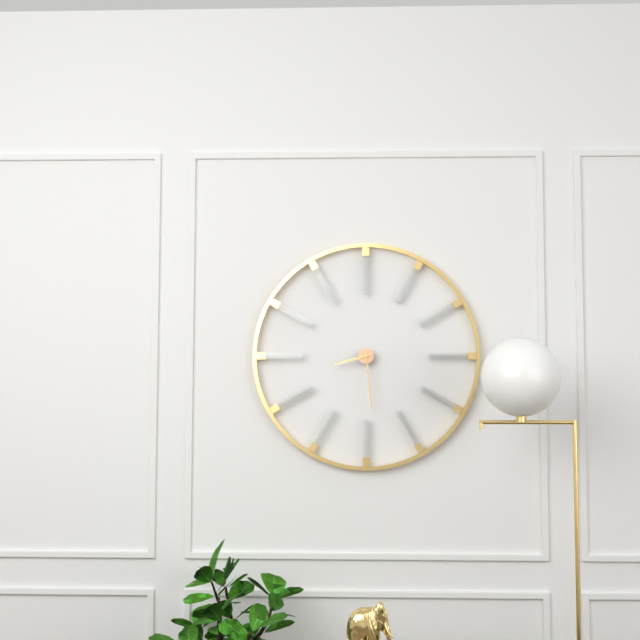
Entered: 8,29
